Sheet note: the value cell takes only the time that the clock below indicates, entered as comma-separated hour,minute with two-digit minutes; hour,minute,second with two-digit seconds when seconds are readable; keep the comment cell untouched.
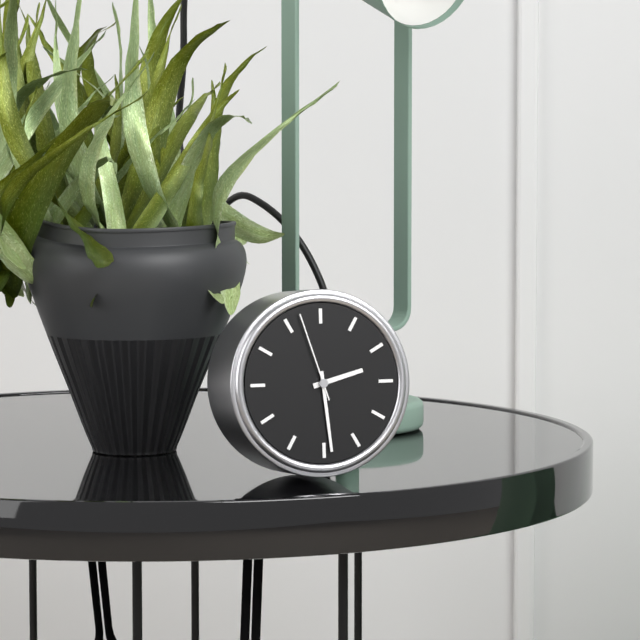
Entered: 2,29,57
